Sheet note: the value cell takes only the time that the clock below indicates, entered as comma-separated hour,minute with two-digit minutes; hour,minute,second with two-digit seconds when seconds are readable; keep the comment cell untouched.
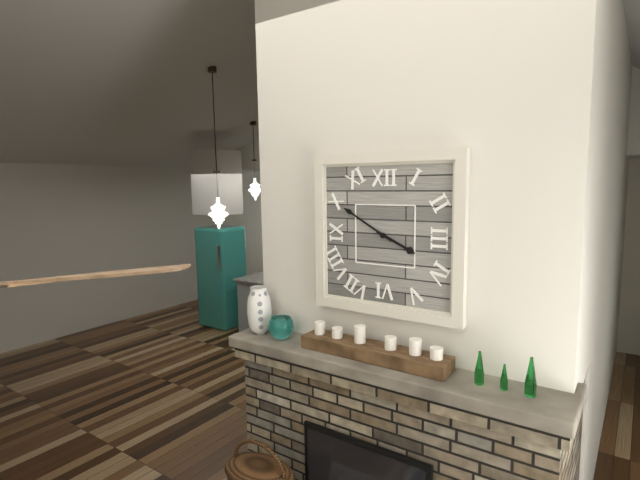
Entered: 3,50
